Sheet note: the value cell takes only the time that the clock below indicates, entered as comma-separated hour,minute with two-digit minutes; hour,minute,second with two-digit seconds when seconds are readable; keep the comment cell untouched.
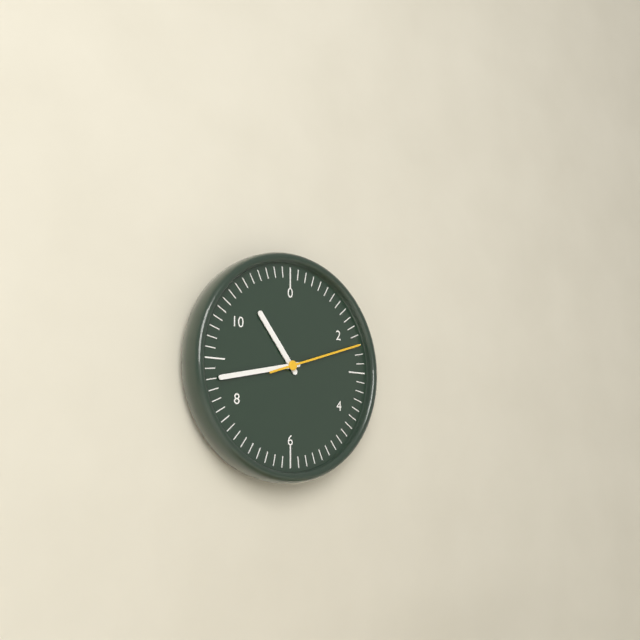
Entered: 10,43,12
